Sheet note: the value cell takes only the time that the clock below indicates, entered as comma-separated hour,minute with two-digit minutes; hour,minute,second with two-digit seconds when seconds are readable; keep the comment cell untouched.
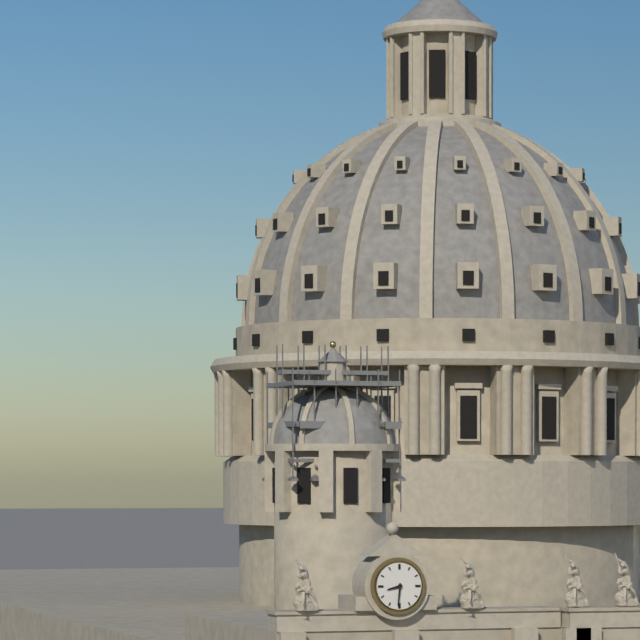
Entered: 8,31
